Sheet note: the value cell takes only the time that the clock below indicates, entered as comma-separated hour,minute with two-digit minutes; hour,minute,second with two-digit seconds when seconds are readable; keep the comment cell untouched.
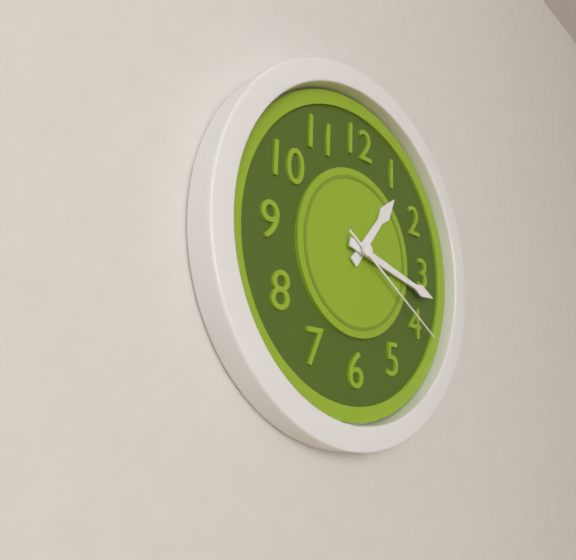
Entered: 1,17,20
